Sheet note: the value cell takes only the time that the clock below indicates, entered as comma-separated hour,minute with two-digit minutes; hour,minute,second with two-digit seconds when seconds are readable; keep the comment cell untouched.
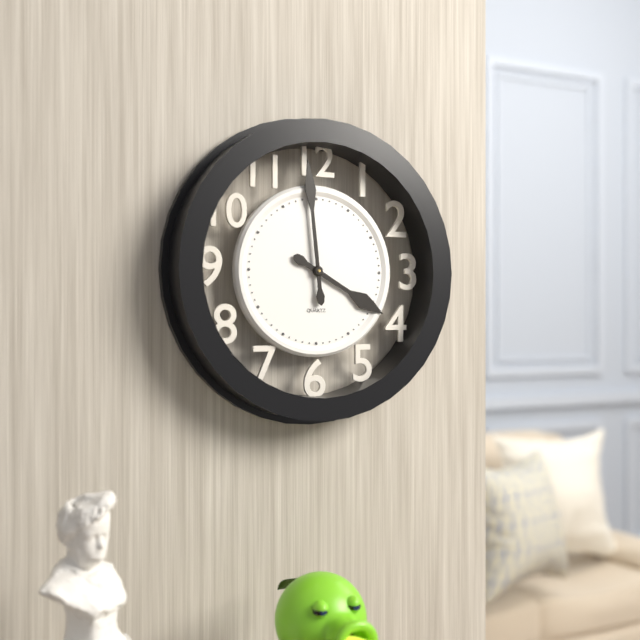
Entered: 3,59
